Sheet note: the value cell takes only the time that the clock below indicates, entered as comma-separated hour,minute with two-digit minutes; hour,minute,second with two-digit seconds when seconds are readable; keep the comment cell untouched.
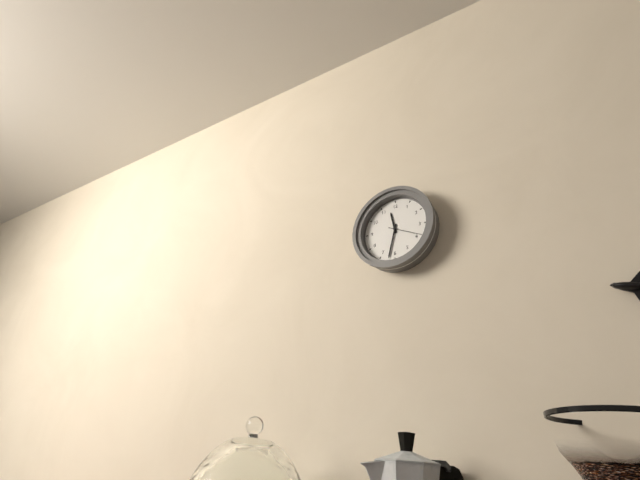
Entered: 11,32
